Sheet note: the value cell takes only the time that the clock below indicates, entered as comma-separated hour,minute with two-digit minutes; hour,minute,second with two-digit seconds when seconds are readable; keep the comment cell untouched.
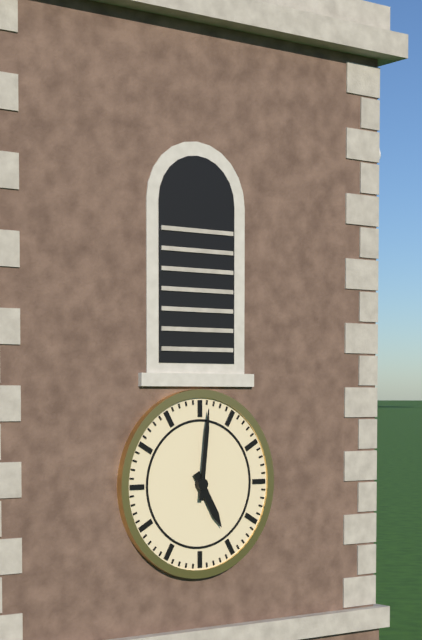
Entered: 5,01
